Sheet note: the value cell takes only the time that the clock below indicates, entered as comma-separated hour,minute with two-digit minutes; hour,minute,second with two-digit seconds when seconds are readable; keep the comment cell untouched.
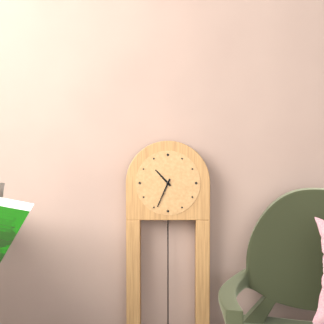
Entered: 10,34
